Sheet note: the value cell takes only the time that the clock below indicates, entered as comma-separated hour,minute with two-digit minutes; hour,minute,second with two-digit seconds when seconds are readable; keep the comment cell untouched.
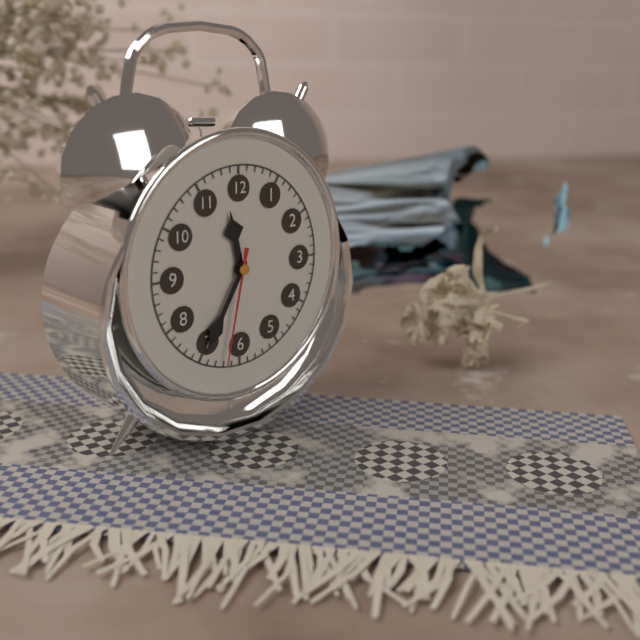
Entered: 11,35,32
